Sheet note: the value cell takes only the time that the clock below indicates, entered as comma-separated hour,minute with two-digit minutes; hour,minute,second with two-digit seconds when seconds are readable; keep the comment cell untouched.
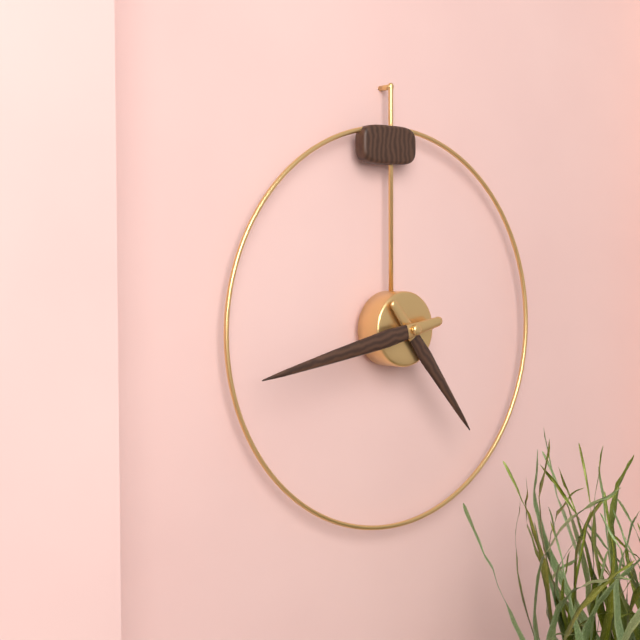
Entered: 4,43
